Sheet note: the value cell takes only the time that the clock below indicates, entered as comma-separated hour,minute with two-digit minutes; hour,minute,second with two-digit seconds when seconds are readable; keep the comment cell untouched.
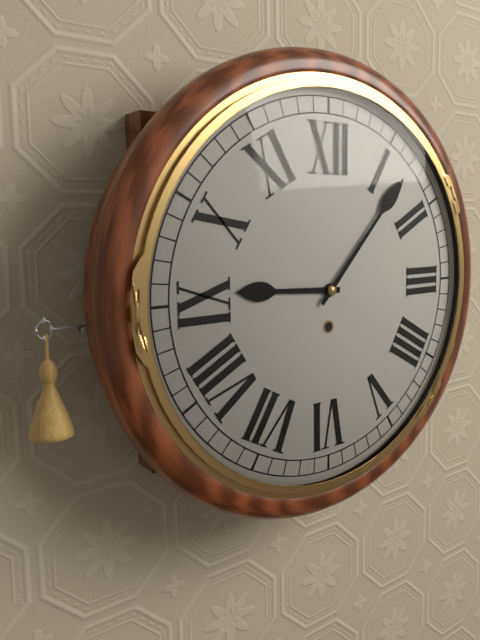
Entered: 9,07
